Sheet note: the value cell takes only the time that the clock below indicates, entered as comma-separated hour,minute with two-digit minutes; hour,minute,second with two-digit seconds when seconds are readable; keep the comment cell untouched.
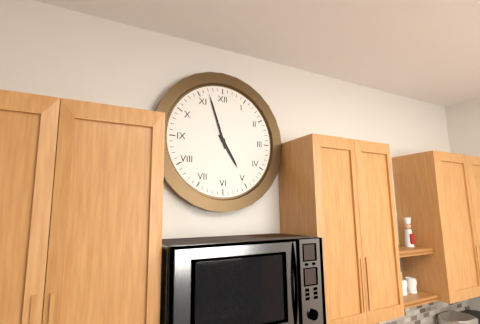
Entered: 4,57
